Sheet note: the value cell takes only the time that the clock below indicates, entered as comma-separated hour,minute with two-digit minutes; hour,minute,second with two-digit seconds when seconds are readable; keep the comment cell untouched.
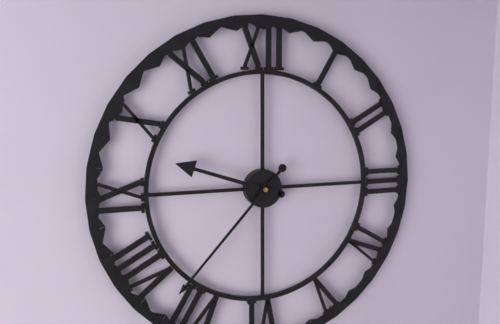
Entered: 9,37
